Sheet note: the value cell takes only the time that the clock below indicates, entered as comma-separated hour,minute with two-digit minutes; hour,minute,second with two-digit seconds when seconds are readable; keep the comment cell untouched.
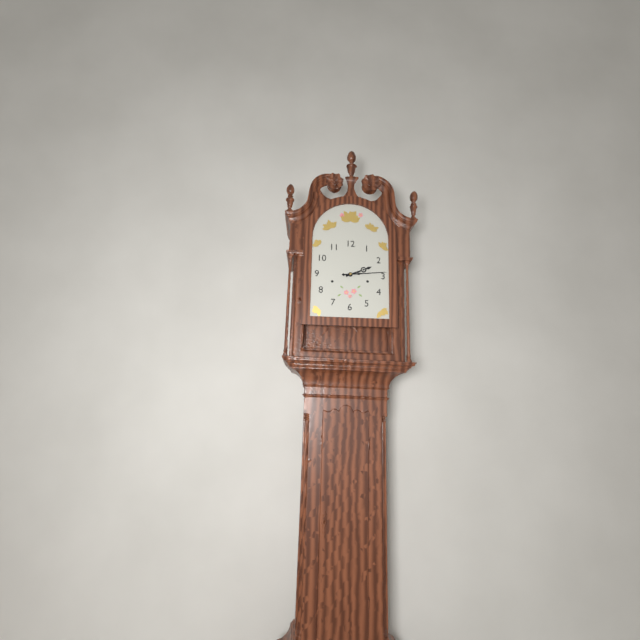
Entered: 2,14
